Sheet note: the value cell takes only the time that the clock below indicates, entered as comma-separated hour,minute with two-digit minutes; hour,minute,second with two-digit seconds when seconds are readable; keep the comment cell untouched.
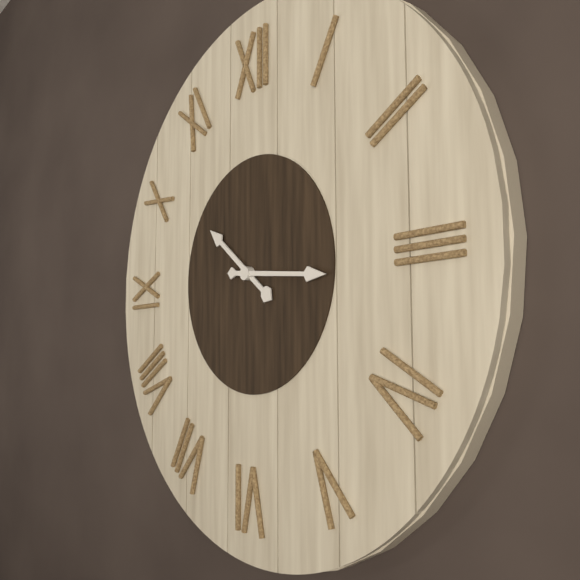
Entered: 10,16
